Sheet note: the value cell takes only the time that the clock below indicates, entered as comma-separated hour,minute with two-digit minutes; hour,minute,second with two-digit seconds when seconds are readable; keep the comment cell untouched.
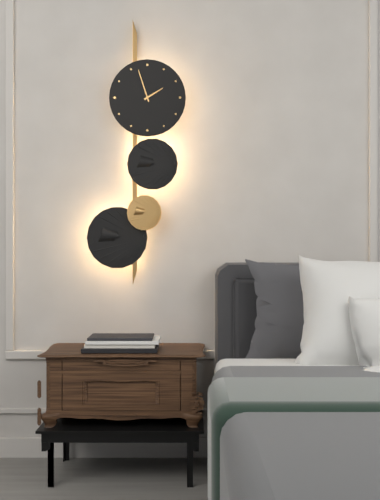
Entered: 1,57
